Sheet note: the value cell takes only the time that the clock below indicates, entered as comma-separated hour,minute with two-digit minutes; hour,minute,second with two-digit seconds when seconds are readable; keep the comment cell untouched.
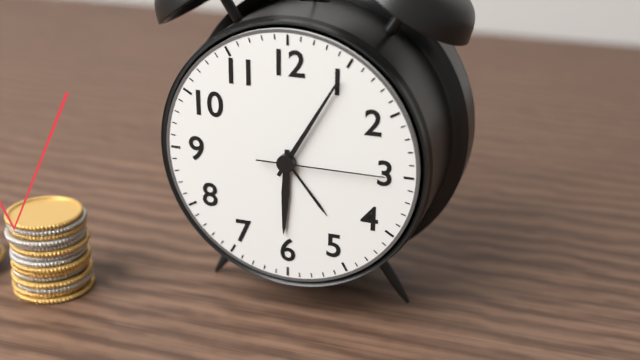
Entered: 6,05,15
